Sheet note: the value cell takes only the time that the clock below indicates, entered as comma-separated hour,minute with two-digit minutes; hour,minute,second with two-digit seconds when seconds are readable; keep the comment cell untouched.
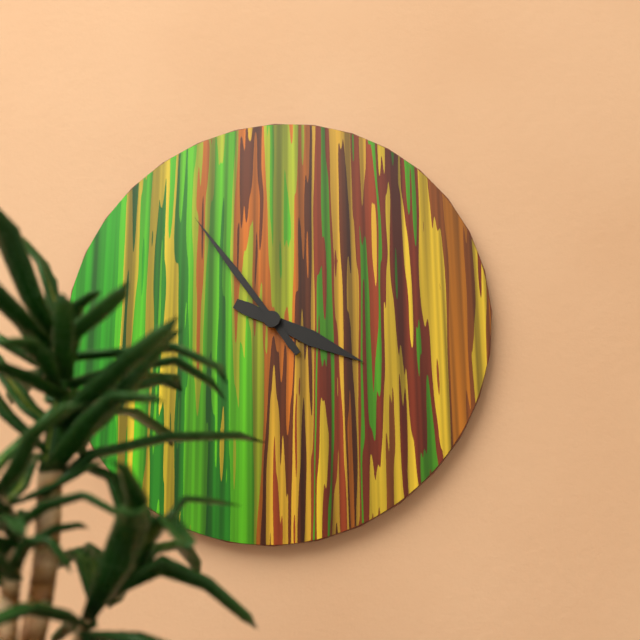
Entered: 3,54
